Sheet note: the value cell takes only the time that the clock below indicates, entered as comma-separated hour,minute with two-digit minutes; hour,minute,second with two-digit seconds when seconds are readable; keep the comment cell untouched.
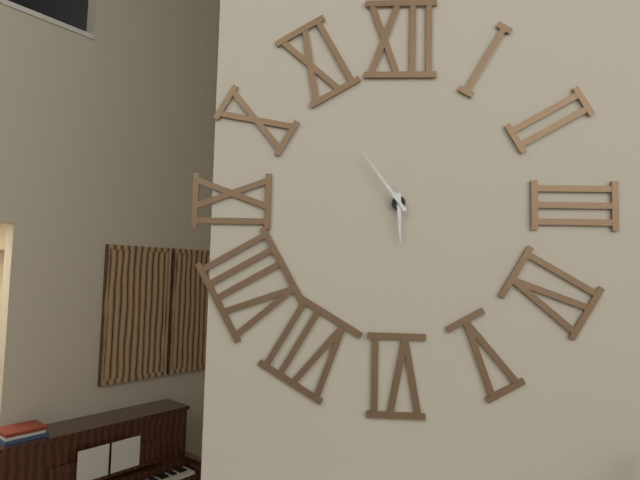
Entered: 5,54
